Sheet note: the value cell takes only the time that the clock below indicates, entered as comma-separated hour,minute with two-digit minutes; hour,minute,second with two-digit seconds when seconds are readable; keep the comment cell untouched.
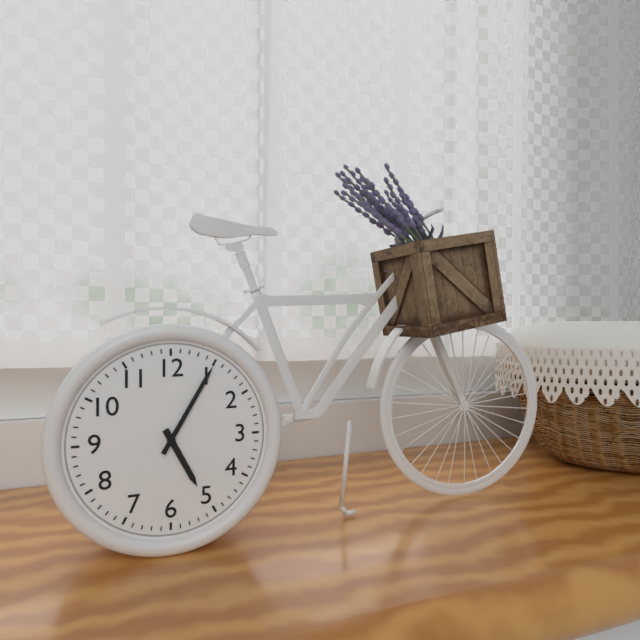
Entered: 5,05
